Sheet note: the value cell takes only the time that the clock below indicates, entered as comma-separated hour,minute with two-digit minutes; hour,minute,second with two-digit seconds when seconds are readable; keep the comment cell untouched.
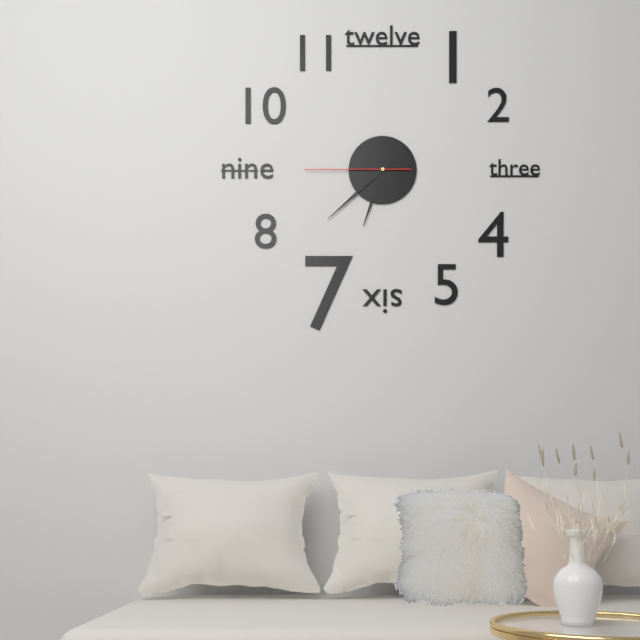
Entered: 6,38,45
